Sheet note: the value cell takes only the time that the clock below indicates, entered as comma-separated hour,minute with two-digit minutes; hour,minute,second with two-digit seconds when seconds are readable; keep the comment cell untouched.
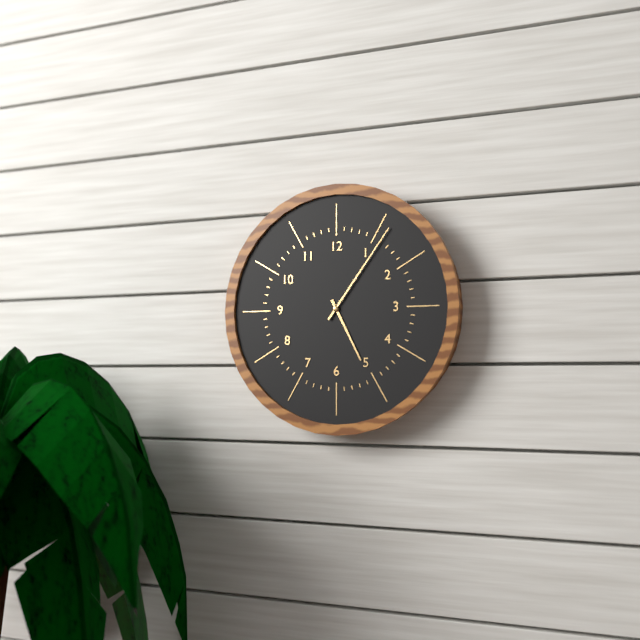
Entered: 5,06
